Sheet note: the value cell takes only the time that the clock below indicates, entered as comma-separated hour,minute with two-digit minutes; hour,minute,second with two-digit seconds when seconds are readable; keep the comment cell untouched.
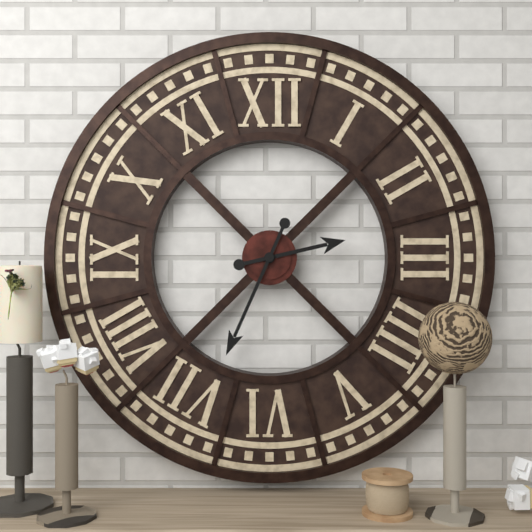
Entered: 2,34
